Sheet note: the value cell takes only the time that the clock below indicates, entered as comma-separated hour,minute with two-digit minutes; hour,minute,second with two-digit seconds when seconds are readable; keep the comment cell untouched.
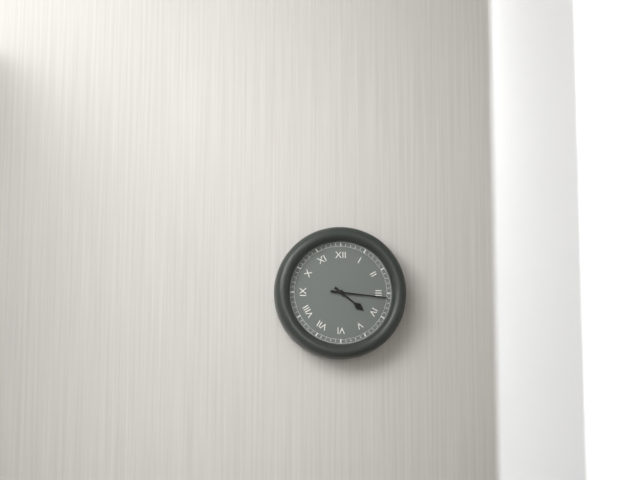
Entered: 4,16
